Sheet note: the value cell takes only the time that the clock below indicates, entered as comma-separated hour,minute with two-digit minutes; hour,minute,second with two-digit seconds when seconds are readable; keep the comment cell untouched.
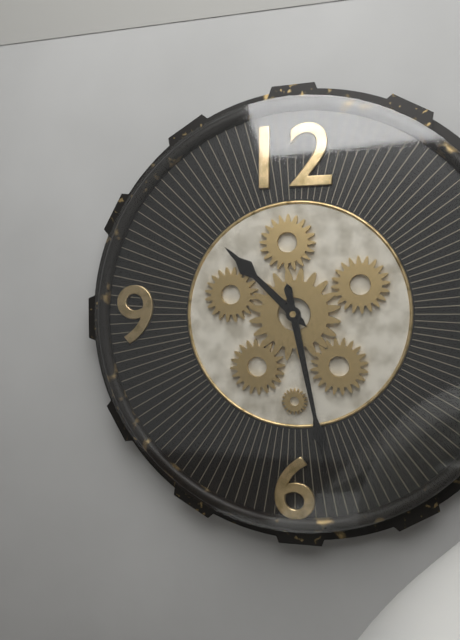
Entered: 10,28
